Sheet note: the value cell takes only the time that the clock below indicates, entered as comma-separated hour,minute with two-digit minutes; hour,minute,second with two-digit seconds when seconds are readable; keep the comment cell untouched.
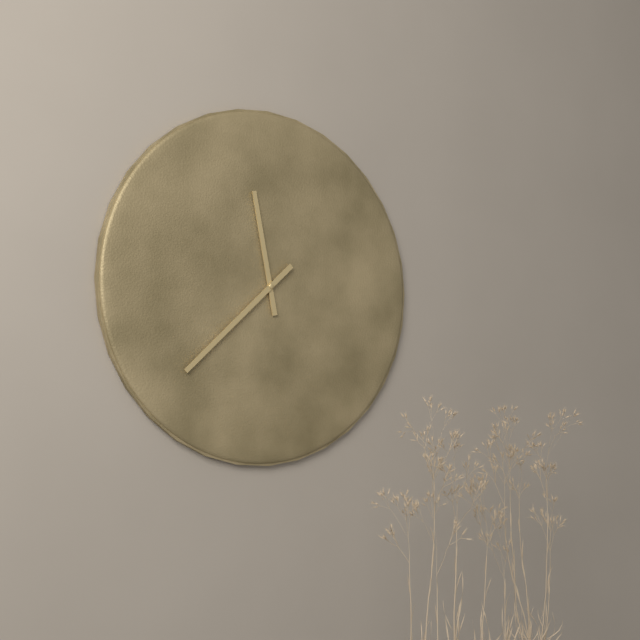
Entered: 11,38
